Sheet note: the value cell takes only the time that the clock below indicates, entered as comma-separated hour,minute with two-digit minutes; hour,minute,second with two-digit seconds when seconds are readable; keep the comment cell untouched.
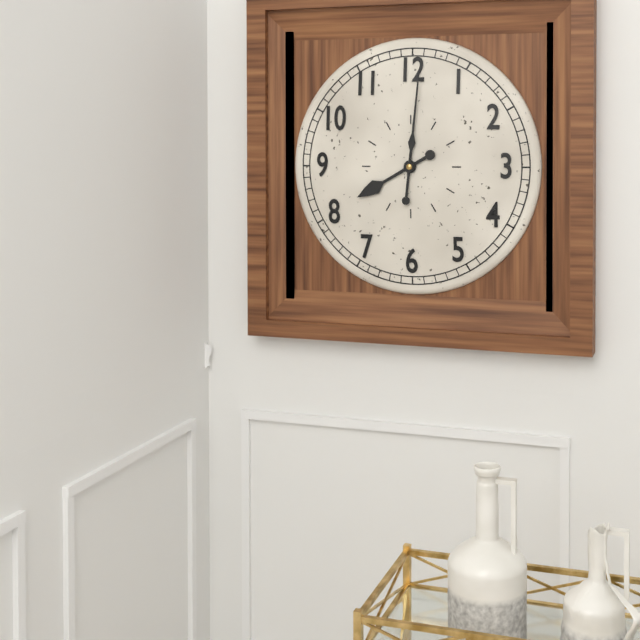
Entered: 8,01
